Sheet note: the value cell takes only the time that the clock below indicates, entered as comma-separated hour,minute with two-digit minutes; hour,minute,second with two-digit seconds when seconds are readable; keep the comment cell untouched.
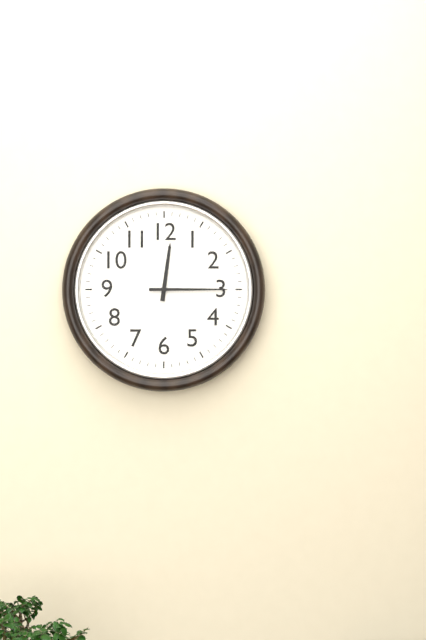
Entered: 12,15
